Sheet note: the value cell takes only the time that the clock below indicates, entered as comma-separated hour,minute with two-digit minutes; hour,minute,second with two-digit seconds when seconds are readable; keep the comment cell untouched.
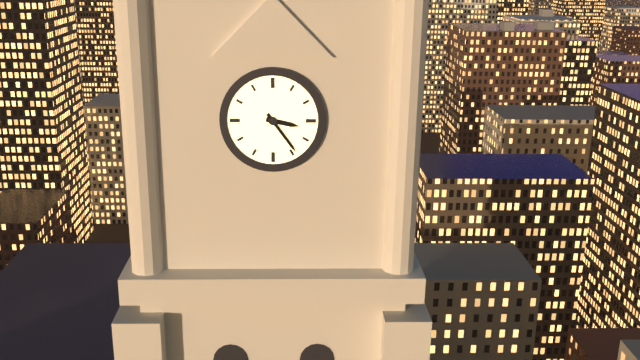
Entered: 3,24
